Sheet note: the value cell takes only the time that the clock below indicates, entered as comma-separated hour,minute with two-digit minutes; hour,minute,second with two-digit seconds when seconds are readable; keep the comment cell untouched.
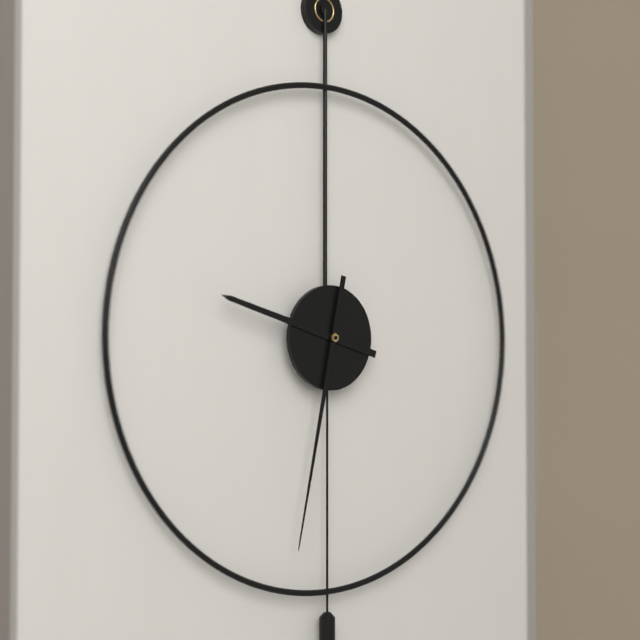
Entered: 9,32
